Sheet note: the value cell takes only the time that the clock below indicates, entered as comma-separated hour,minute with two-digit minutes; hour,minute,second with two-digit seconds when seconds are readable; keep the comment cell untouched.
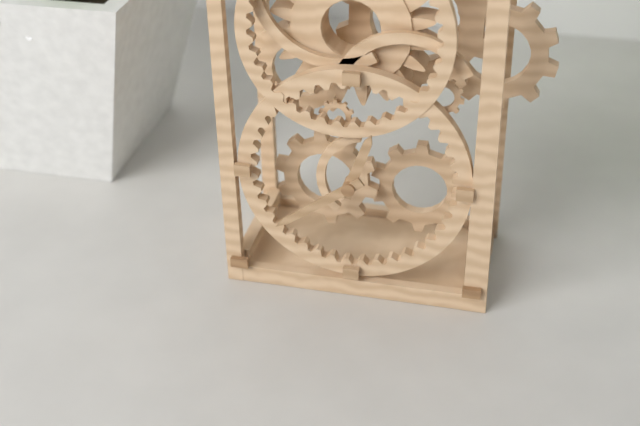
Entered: 12,39
